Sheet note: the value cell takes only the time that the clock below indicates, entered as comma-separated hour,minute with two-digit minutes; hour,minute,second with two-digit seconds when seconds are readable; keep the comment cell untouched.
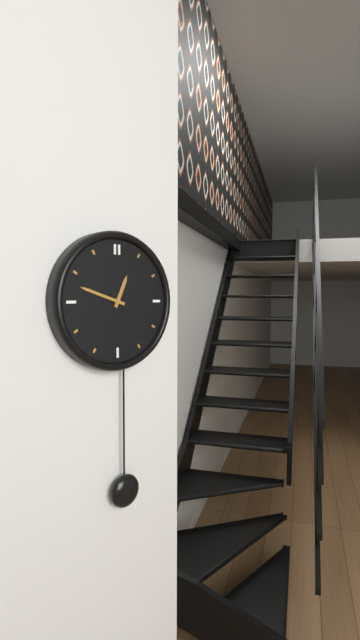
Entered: 12,48
